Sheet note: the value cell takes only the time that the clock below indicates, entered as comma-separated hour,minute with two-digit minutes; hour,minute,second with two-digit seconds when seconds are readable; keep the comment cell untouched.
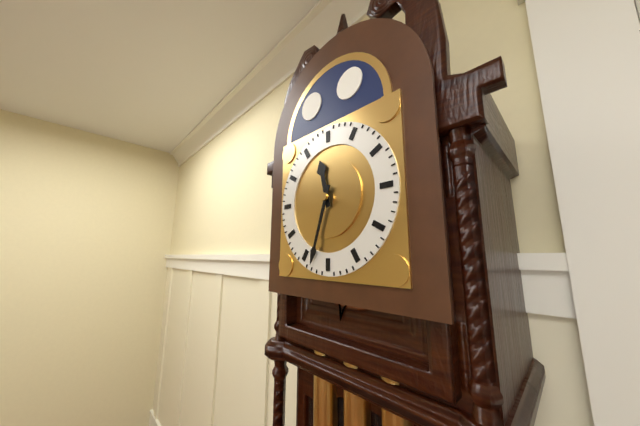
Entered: 11,33
